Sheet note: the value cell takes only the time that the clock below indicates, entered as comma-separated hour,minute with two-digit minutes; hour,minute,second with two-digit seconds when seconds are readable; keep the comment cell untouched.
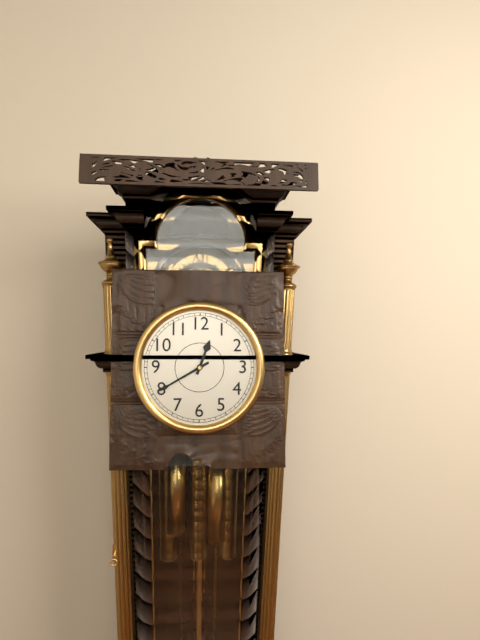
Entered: 12,40
